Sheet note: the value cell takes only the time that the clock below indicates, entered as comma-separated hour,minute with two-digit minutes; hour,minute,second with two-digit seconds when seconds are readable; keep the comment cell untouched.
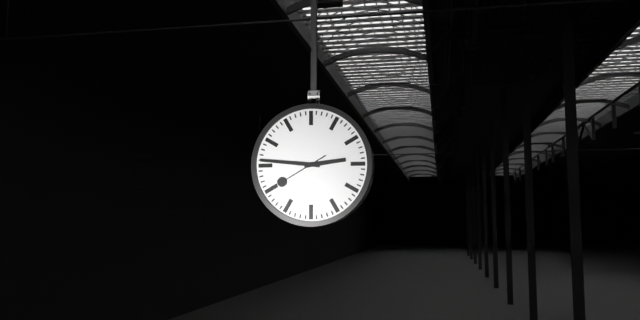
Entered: 2,46
